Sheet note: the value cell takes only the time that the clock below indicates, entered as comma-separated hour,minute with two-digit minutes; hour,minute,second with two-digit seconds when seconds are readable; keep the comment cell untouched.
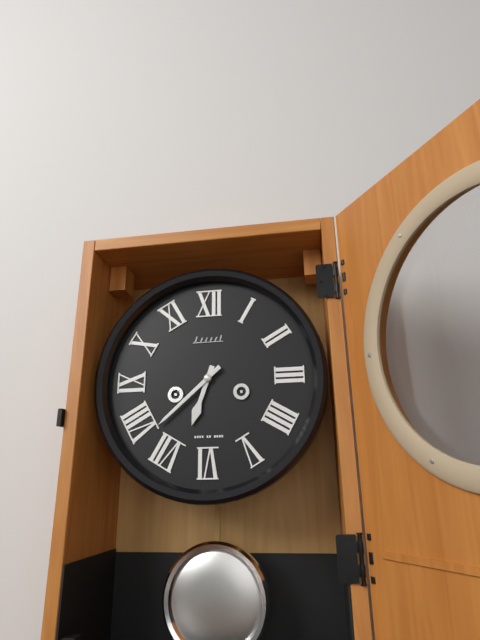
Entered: 6,38
